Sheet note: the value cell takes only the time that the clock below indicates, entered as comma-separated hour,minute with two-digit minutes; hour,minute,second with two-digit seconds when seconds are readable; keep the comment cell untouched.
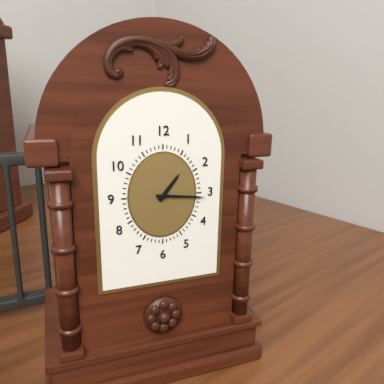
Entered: 1,16
